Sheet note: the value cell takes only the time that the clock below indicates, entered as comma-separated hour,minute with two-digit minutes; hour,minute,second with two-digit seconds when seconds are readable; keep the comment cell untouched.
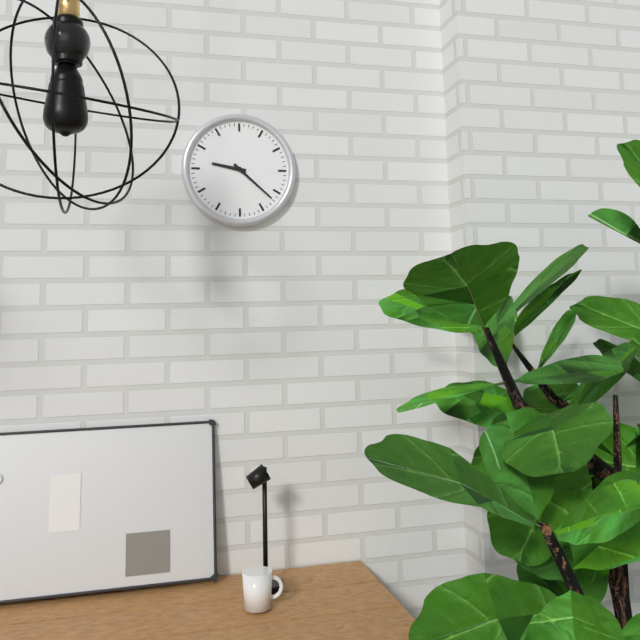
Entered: 9,22
